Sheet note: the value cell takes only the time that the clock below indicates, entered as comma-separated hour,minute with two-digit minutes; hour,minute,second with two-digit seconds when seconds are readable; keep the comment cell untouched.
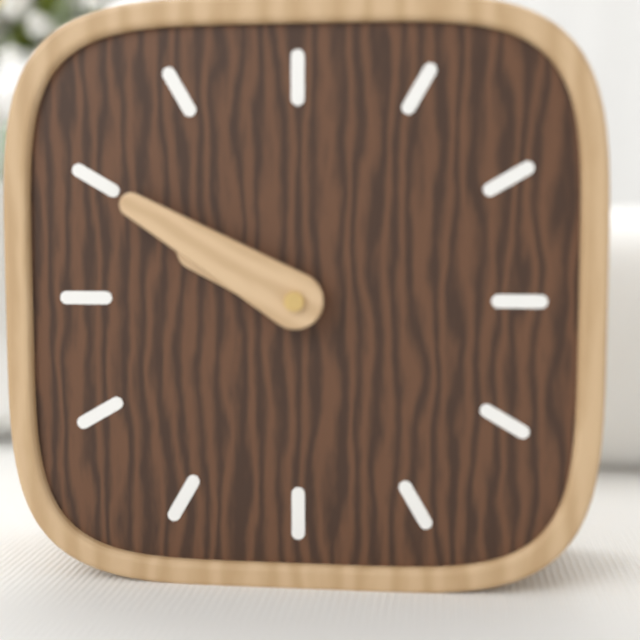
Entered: 9,50
